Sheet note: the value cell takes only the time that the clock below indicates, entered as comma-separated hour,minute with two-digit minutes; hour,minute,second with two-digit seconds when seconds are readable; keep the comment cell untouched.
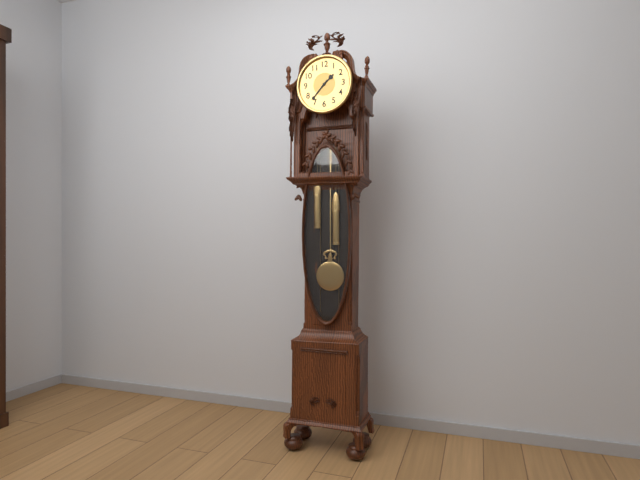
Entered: 1,37
